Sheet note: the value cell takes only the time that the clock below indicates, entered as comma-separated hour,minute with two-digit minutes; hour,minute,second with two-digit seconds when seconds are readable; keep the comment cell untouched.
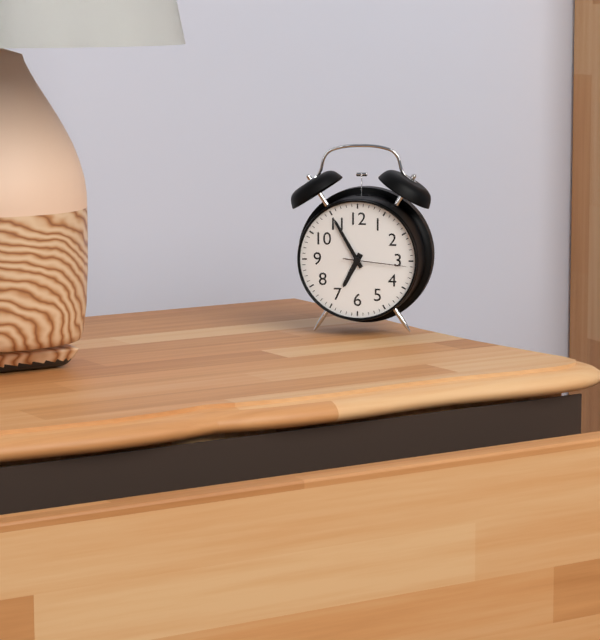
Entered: 6,55,16
